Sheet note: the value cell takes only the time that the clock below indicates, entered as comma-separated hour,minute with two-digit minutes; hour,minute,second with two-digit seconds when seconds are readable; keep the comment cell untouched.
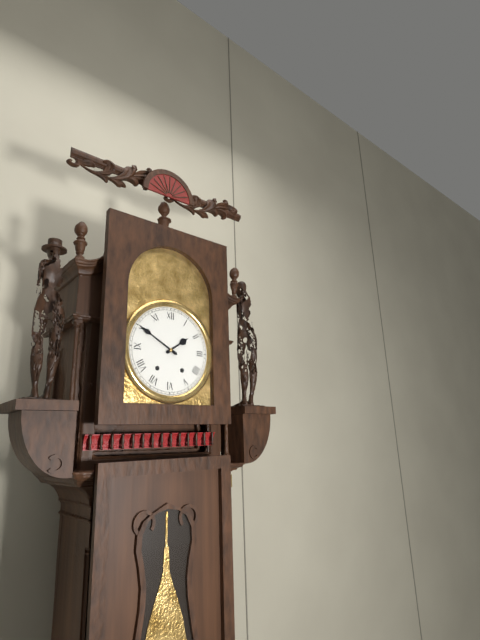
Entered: 1,50
